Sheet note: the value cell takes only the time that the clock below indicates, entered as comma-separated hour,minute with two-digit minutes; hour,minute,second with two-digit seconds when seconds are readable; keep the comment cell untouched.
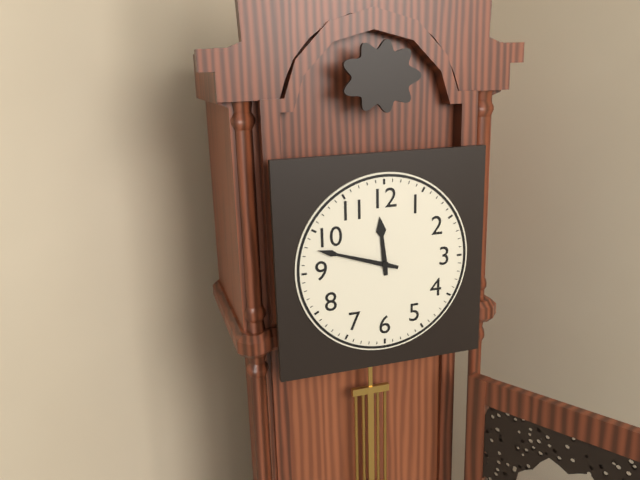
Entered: 11,48
